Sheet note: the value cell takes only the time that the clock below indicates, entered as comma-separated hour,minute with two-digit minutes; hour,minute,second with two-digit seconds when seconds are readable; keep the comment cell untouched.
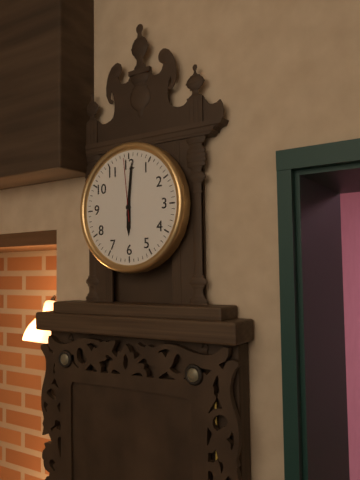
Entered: 6,01,59
